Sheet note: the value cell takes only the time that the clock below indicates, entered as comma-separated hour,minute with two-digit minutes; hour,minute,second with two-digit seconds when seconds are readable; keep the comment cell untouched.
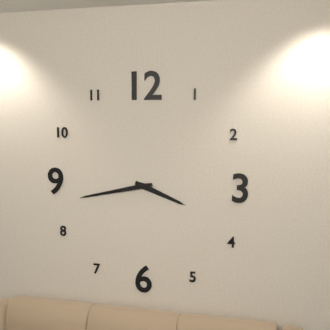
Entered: 3,43
